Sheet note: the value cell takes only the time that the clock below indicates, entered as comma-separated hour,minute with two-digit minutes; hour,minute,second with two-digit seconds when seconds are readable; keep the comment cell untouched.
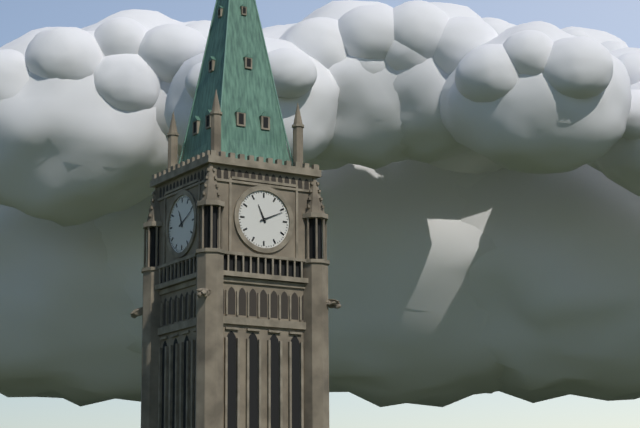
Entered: 11,11
